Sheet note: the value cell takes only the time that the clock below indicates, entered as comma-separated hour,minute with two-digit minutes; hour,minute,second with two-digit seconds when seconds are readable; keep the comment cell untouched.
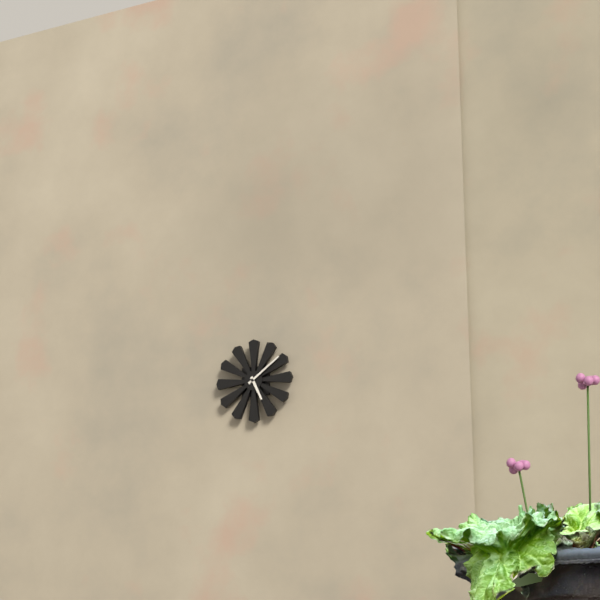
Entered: 5,09
